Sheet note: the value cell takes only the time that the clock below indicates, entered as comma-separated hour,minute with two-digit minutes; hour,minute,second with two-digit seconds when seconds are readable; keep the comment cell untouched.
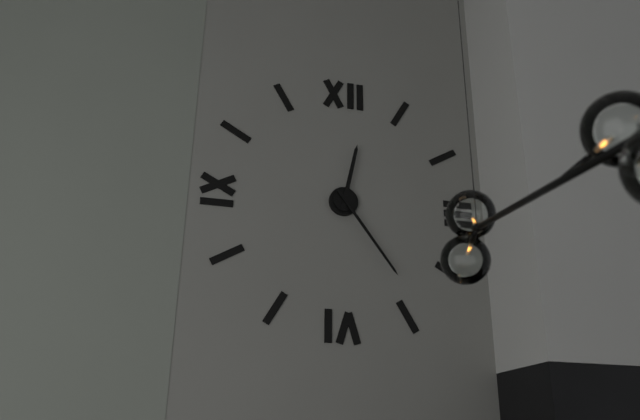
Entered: 12,24
